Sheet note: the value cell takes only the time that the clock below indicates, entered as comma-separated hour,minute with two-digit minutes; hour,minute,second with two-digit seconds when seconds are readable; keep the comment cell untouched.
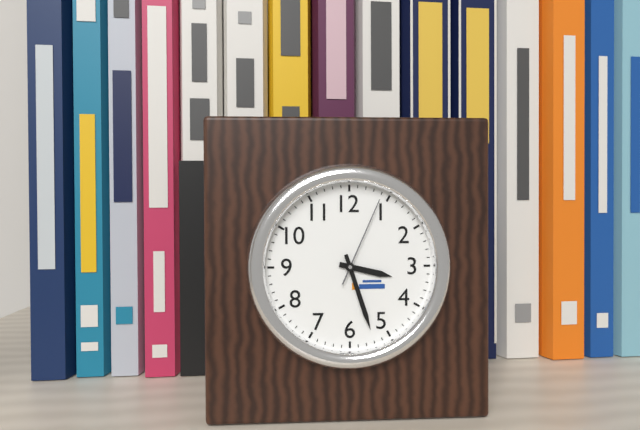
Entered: 3,27,04
